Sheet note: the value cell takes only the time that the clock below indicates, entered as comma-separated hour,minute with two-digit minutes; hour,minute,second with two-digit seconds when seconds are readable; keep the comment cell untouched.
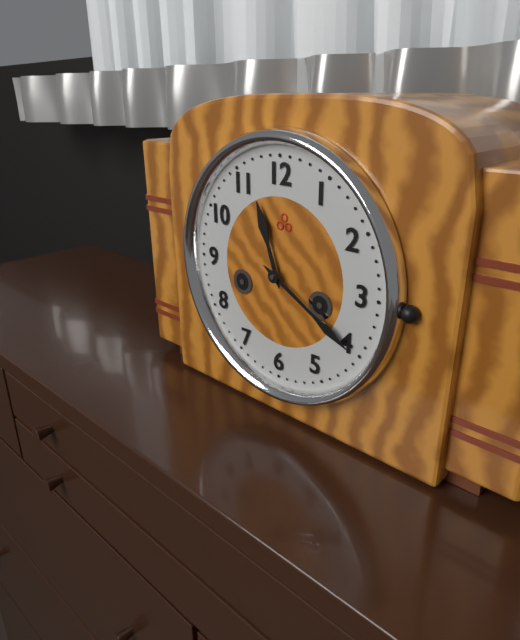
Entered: 11,20
